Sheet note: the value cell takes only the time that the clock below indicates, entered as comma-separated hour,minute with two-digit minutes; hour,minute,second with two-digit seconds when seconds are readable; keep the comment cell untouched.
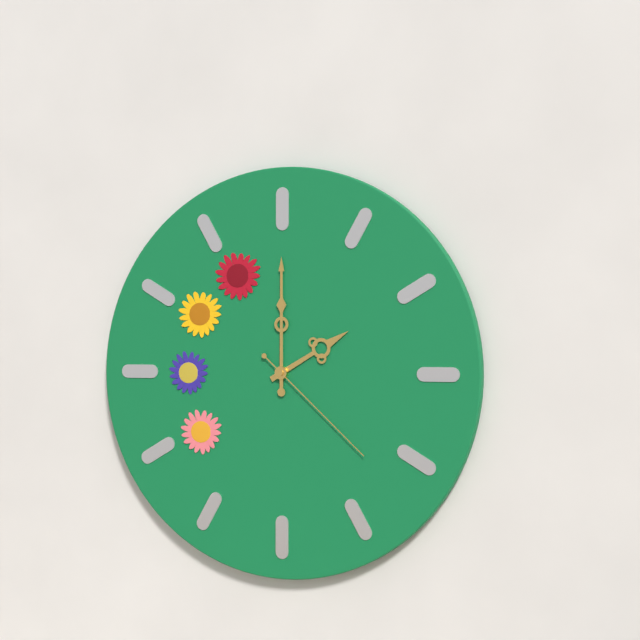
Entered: 2,00,22
